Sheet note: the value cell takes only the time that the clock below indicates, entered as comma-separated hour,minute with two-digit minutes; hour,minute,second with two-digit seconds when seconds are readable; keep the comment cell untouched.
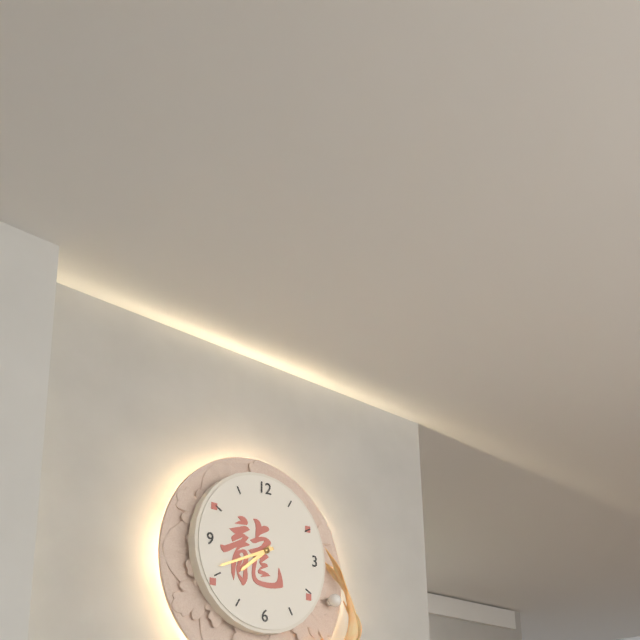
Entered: 7,41
